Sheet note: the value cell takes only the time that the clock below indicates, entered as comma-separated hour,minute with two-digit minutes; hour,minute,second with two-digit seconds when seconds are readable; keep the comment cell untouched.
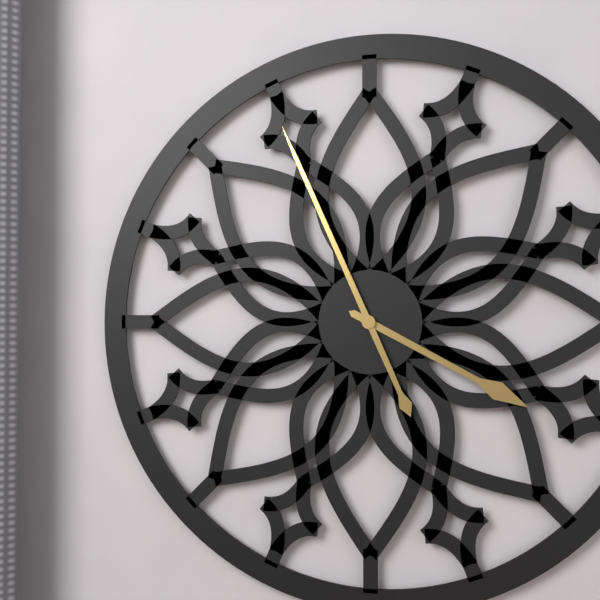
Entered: 3,56
